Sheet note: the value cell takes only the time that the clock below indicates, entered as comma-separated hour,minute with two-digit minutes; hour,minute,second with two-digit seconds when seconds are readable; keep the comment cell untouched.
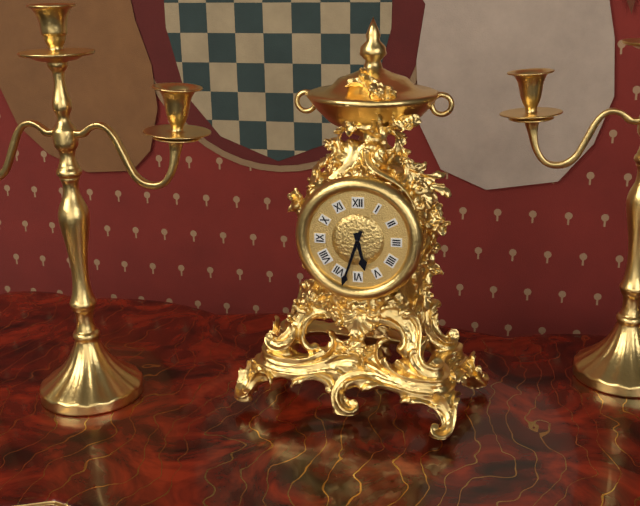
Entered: 5,33
